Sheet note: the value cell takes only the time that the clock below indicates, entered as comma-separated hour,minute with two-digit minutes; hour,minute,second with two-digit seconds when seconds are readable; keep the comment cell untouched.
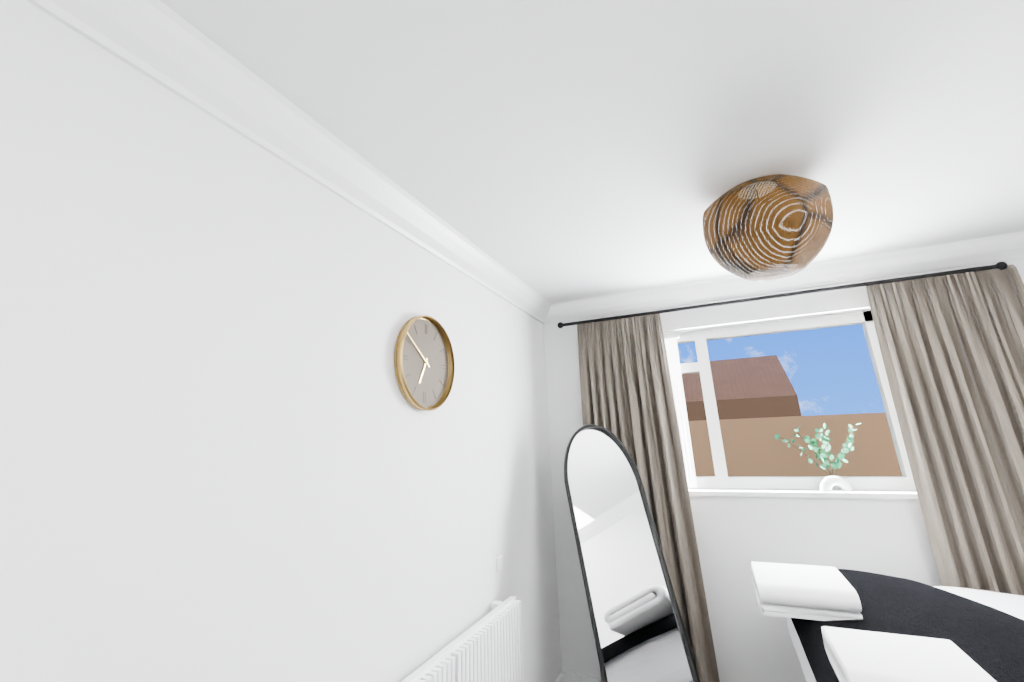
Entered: 6,51
